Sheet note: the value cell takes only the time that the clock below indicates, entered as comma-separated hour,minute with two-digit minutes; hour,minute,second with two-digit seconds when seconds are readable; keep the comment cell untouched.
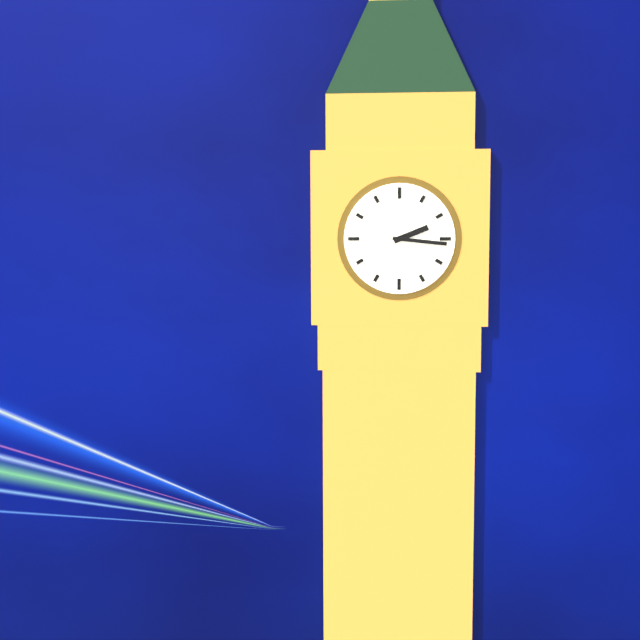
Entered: 2,16
